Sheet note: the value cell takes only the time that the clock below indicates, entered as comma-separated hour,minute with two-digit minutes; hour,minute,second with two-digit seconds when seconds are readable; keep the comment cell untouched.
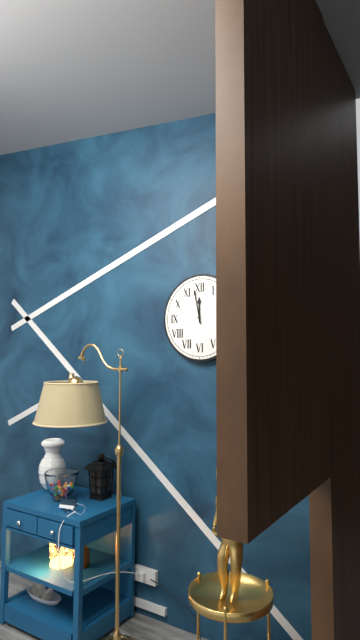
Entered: 11,58
